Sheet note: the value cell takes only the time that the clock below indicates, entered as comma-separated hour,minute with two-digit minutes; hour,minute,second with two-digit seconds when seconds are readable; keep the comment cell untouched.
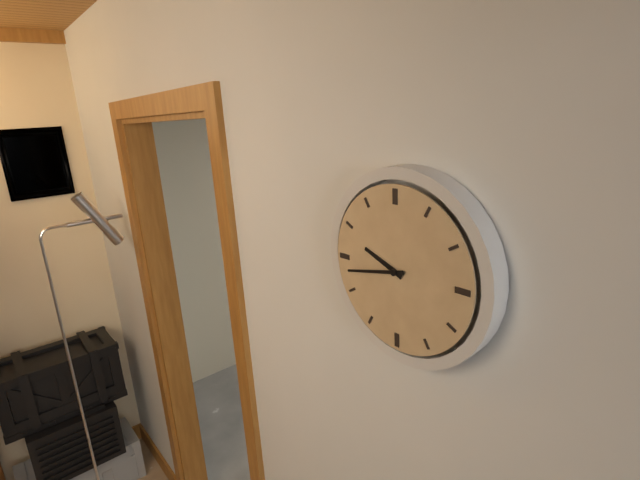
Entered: 9,43
